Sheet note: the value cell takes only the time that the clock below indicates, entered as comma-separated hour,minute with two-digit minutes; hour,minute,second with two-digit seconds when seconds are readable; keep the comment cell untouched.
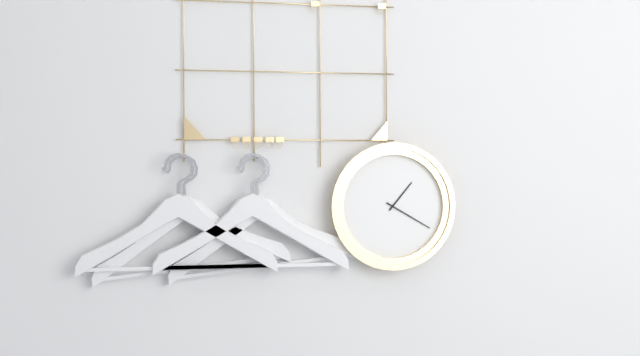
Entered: 1,20
